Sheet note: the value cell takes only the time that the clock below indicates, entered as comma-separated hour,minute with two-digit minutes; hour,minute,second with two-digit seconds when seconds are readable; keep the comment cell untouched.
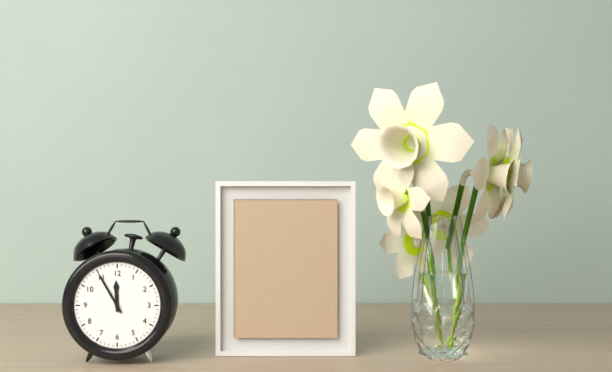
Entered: 11,55
